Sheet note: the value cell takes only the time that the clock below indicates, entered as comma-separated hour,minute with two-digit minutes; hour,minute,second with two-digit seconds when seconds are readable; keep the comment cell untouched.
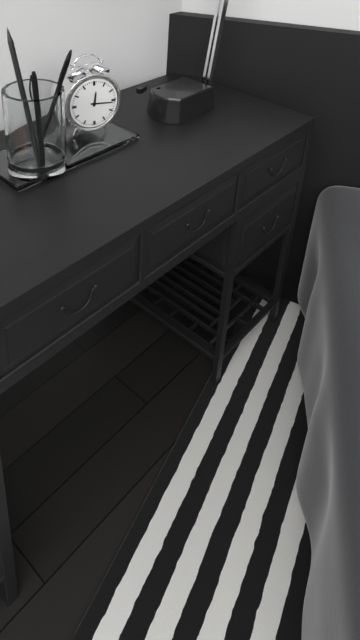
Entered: 12,16
